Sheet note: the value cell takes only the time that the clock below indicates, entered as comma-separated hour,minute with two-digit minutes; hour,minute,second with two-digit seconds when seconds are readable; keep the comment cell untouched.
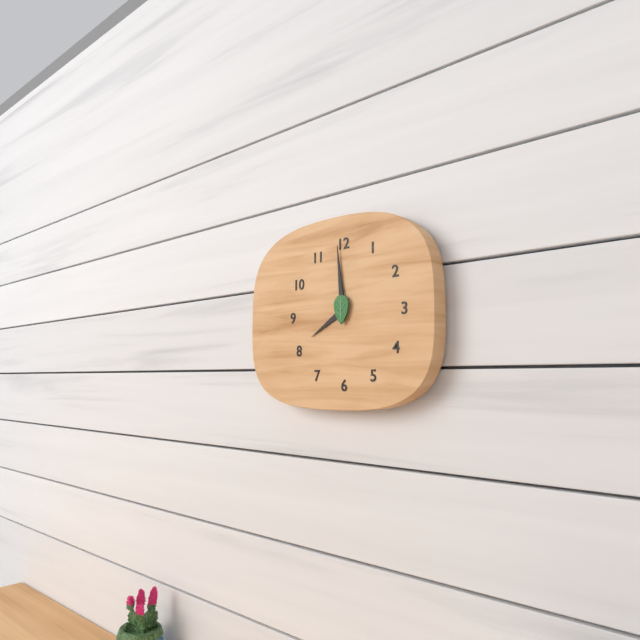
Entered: 7,59
